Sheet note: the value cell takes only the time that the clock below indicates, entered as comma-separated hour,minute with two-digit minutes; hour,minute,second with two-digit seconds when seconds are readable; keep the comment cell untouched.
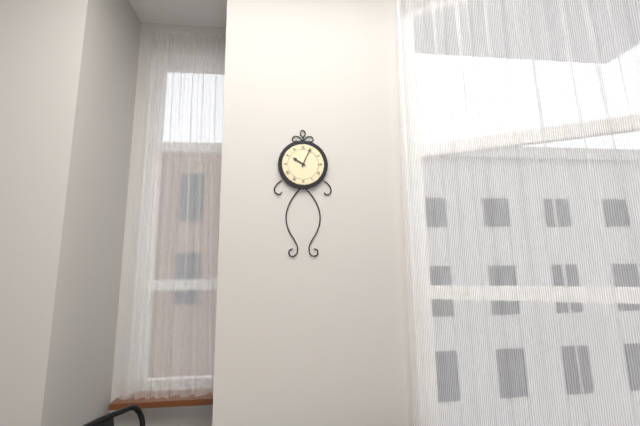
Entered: 10,04
